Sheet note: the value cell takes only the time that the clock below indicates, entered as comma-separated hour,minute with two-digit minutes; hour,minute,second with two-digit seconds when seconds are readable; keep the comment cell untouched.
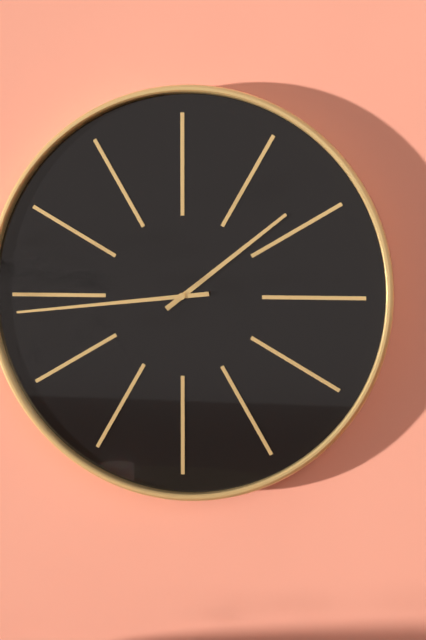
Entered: 1,44
